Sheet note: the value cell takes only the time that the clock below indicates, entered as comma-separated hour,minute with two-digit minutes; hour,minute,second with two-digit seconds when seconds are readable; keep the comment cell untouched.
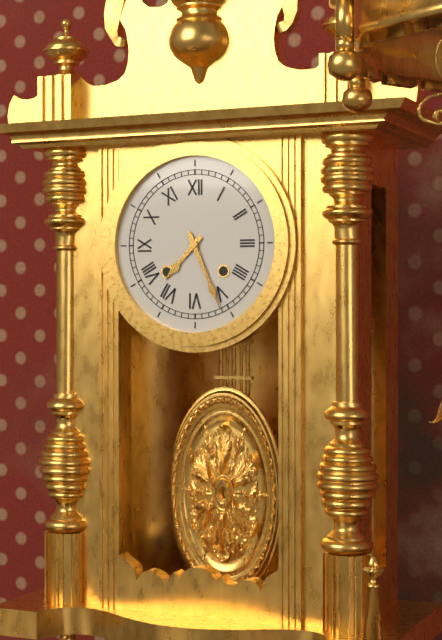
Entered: 7,26
